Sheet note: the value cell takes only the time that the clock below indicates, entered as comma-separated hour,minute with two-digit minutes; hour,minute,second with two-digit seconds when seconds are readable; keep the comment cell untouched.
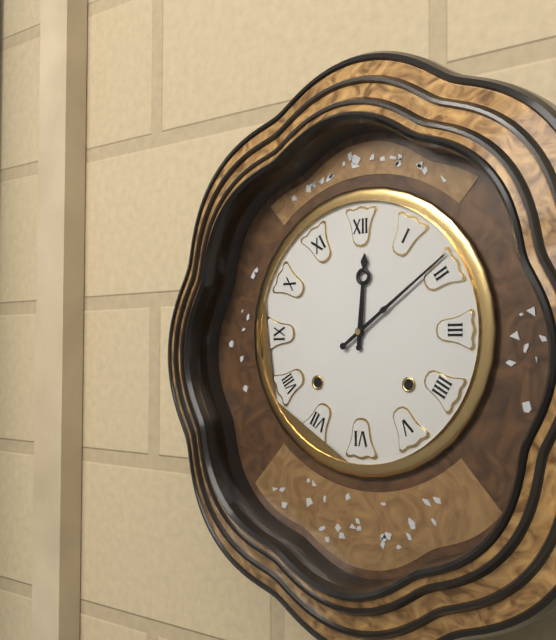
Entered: 12,09
